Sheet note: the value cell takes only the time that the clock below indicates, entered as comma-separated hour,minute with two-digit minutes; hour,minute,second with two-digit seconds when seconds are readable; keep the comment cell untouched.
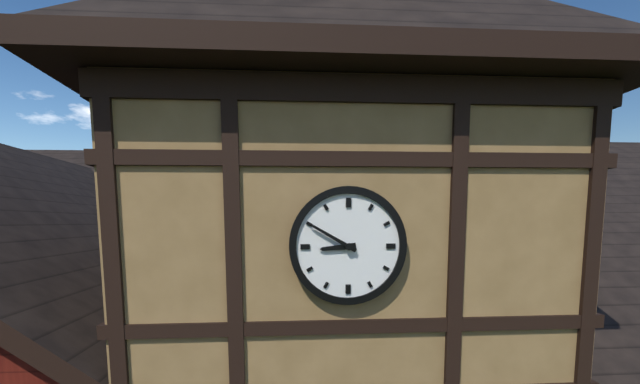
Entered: 8,50
